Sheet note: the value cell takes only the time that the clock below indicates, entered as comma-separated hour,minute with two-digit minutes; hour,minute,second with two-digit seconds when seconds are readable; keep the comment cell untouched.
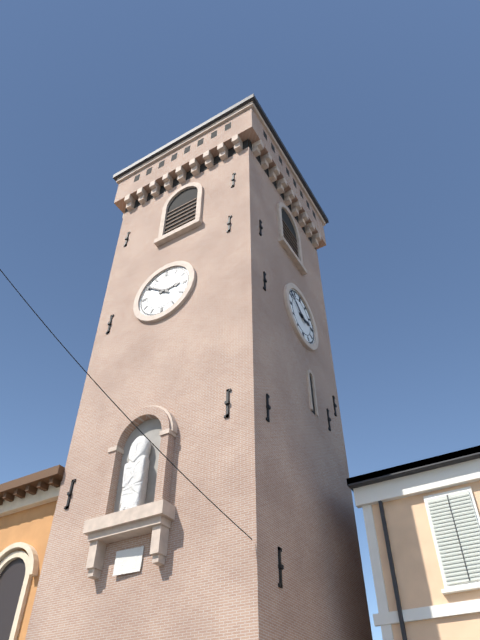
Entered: 2,51
